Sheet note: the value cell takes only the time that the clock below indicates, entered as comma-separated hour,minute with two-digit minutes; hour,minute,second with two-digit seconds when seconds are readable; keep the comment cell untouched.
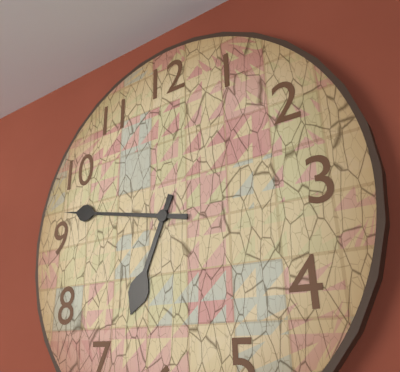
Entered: 6,47
